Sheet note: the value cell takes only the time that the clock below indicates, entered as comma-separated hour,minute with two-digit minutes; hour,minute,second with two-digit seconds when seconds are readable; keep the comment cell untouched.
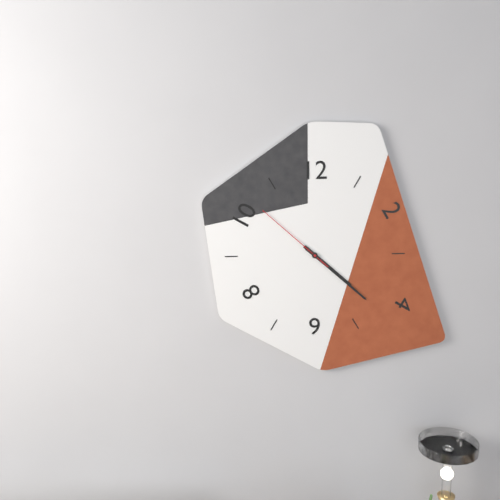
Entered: 4,22,52
